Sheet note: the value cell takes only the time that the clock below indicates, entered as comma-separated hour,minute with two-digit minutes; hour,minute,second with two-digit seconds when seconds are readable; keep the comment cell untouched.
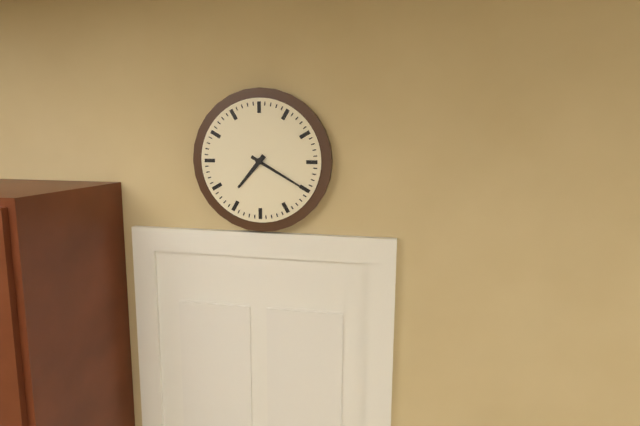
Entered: 7,20
